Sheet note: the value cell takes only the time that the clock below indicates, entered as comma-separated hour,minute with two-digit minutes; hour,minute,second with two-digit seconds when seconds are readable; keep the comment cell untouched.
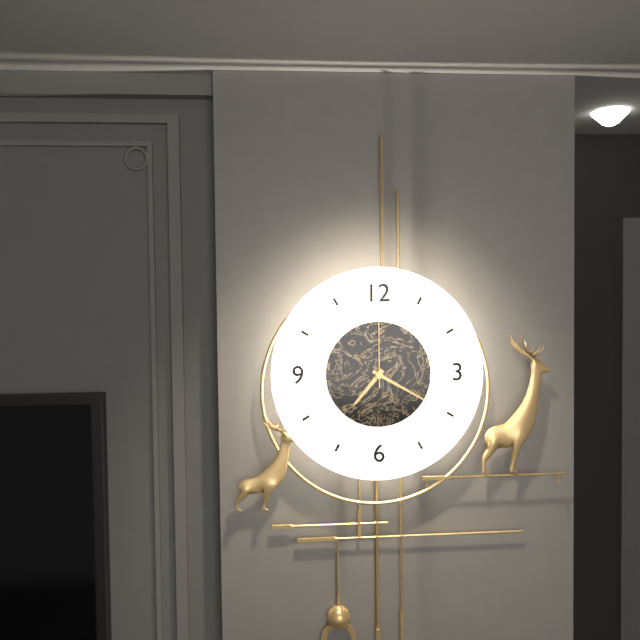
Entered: 7,20,00
